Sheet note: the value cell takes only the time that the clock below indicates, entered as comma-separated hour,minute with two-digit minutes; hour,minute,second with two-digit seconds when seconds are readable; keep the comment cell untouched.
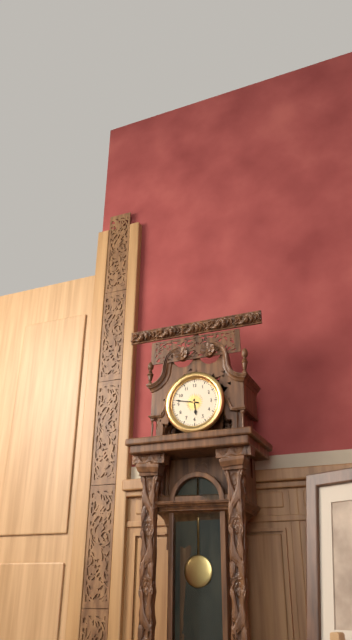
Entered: 5,47
